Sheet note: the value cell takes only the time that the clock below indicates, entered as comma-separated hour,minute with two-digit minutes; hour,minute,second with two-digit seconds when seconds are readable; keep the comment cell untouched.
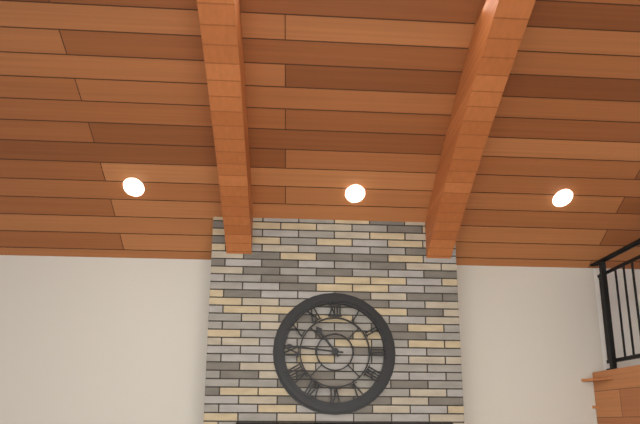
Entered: 10,46
